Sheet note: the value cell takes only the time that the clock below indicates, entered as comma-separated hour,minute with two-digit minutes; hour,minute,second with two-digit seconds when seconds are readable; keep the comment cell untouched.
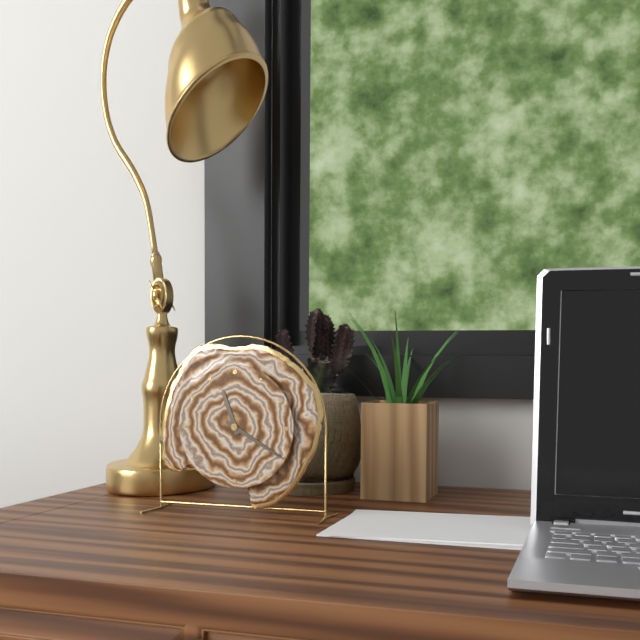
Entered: 11,20
